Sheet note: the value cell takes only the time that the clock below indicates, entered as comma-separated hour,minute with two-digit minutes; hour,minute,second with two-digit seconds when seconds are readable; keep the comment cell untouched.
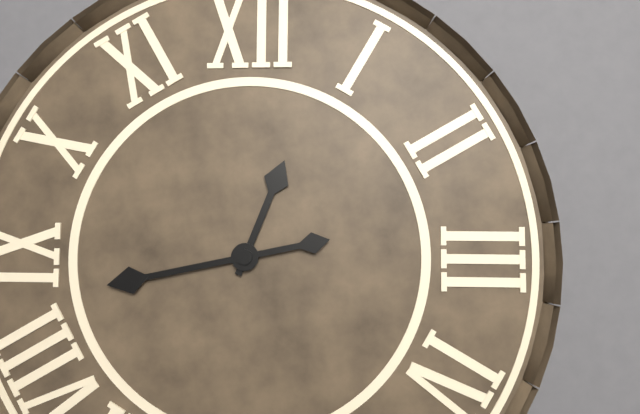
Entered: 12,43
